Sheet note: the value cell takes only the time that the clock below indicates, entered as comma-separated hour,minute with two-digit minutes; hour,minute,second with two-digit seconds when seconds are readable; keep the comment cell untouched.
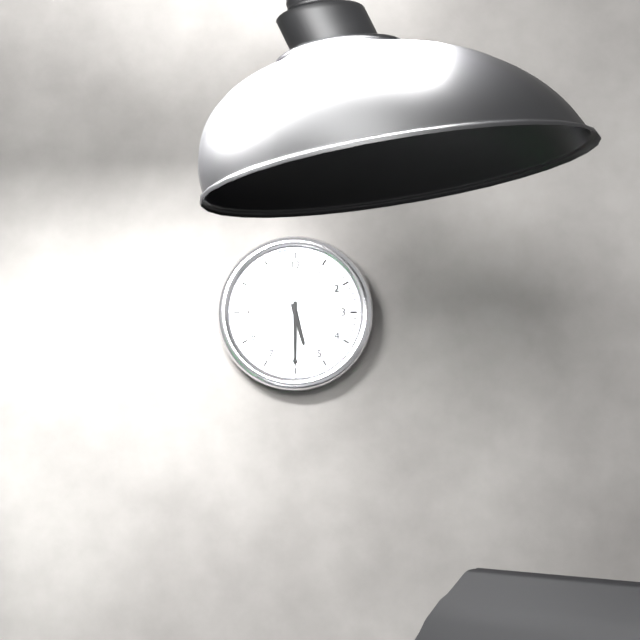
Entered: 5,30
